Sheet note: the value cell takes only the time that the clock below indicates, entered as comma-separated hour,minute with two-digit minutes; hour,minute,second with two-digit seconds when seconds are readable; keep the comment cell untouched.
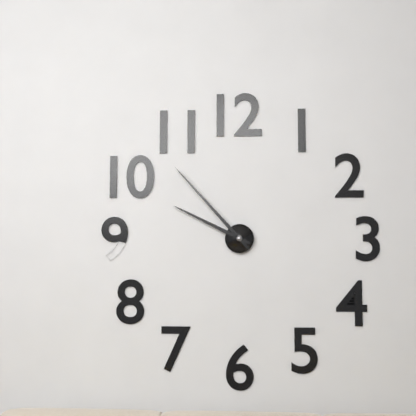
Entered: 9,53
